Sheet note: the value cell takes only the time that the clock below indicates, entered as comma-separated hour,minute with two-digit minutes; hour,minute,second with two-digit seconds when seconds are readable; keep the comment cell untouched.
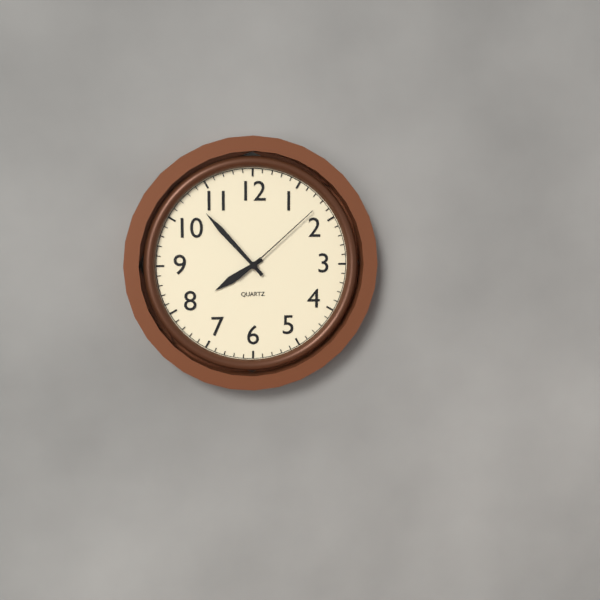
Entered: 7,53,08
